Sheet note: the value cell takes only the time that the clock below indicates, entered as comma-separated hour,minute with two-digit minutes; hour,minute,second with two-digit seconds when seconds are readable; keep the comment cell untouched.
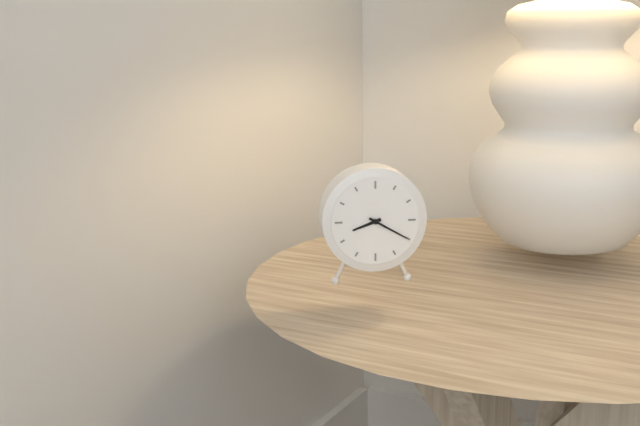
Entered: 8,20
